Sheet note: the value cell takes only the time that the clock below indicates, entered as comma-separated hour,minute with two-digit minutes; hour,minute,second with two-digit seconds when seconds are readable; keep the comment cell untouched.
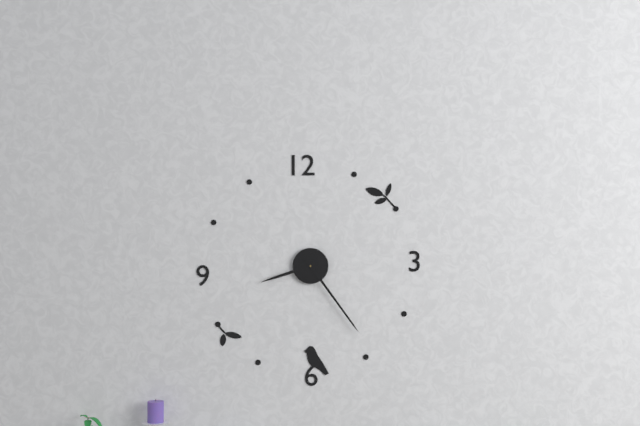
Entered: 8,24
